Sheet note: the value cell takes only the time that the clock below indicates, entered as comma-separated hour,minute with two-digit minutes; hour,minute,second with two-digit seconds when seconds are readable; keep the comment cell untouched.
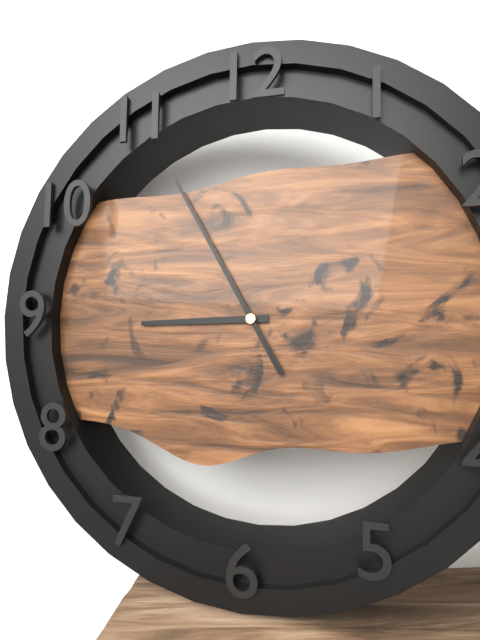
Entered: 8,55
